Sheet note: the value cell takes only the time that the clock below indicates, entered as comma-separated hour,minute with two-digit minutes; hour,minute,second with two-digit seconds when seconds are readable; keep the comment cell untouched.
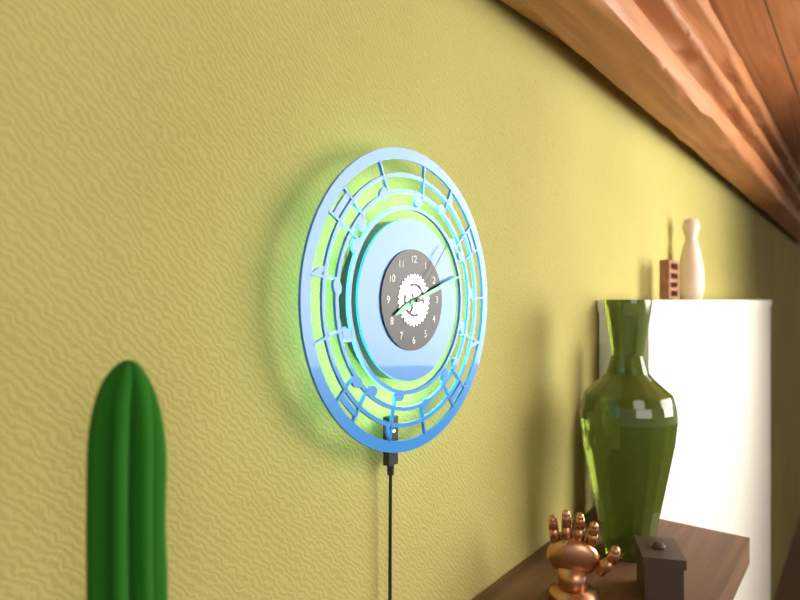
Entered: 8,12,07
